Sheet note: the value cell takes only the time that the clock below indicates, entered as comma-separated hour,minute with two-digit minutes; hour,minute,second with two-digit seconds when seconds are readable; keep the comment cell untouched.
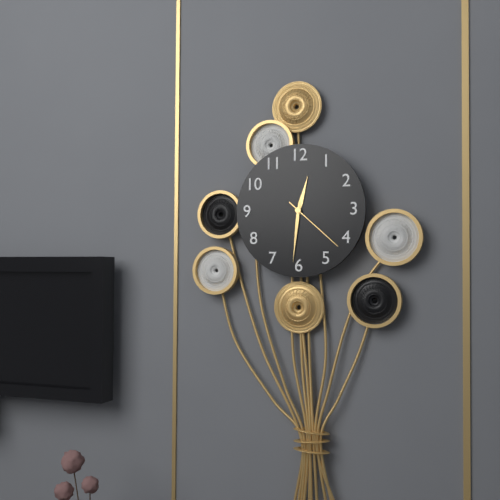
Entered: 12,31,22
